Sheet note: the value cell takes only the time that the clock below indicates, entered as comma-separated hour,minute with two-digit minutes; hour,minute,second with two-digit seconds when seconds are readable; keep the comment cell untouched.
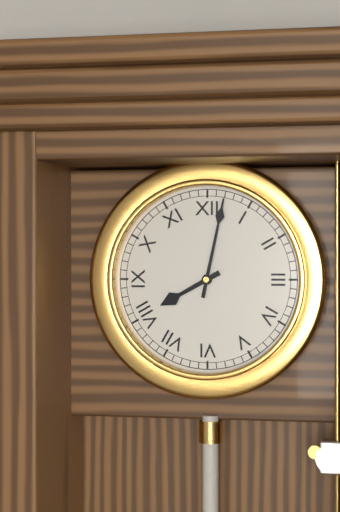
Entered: 8,02
